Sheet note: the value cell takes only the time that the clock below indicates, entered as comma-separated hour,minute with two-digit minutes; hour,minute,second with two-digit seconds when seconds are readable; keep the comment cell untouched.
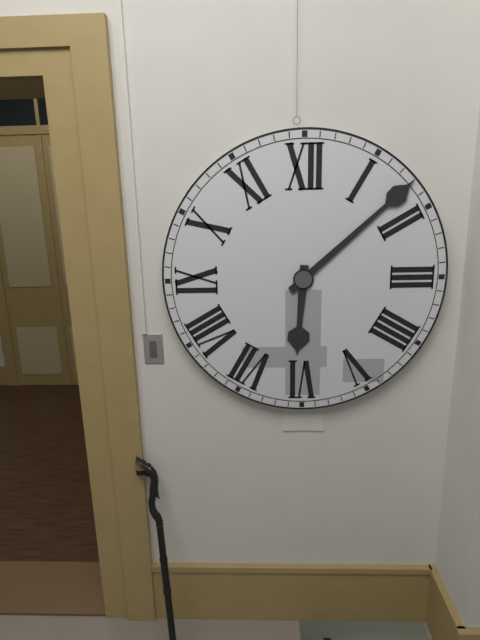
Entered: 6,08
